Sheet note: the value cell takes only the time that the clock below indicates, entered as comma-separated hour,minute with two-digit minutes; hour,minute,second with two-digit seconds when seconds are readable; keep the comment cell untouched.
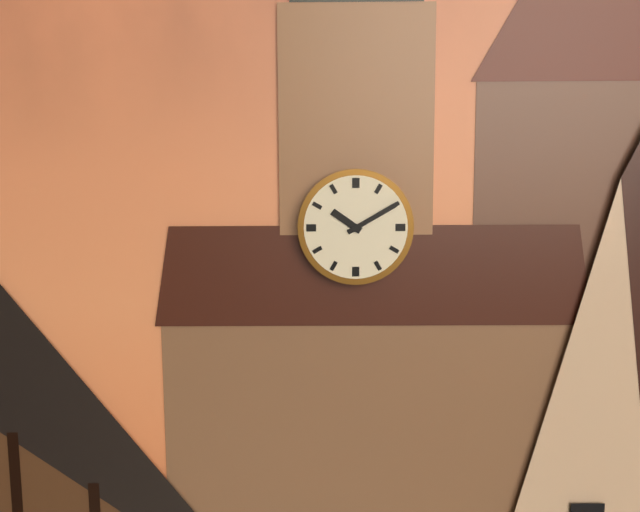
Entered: 10,10
